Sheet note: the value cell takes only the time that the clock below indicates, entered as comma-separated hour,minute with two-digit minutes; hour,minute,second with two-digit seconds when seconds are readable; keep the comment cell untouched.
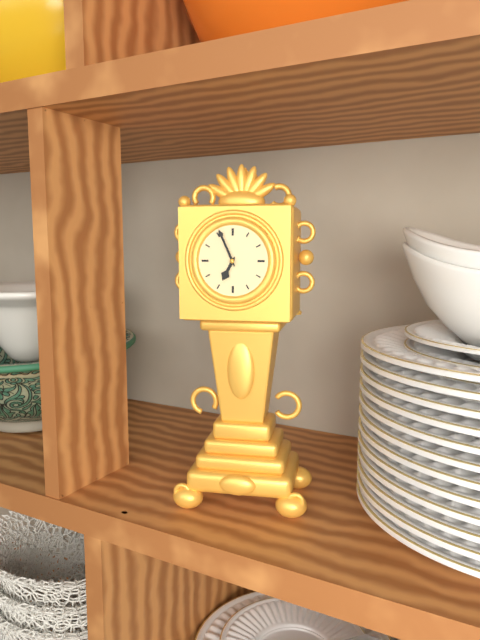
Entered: 6,56
